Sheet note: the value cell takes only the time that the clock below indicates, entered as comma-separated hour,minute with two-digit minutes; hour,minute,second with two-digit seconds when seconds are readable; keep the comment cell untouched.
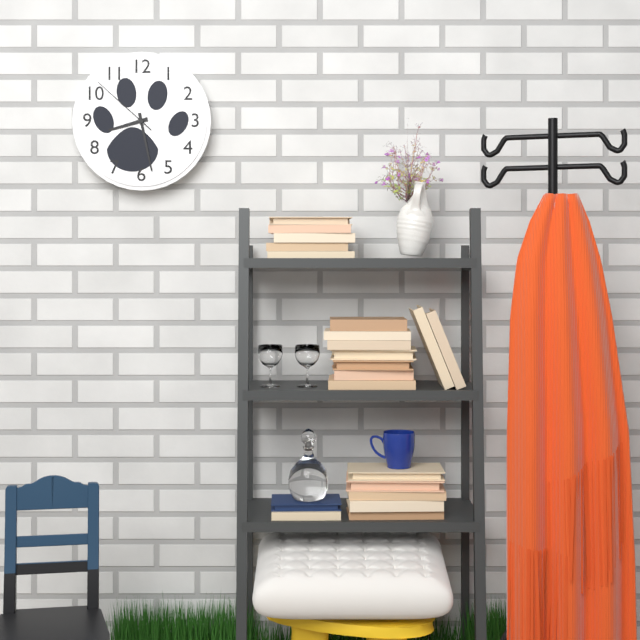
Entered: 8,28,52
